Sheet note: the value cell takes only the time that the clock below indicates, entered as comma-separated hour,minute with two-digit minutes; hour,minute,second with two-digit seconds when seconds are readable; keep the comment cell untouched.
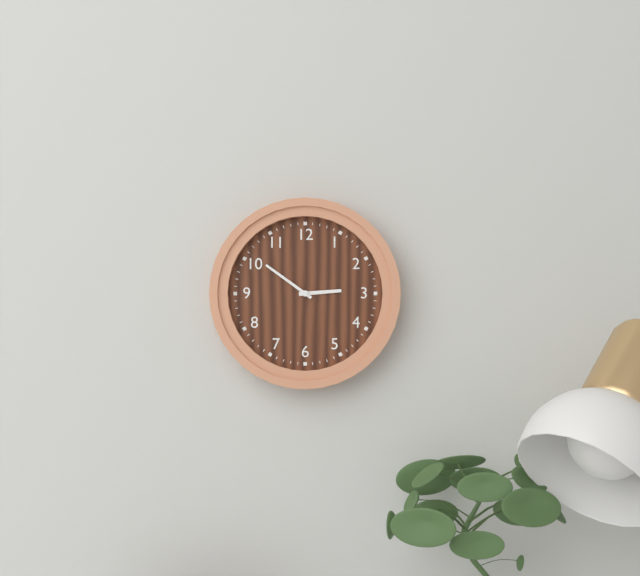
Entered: 2,51
